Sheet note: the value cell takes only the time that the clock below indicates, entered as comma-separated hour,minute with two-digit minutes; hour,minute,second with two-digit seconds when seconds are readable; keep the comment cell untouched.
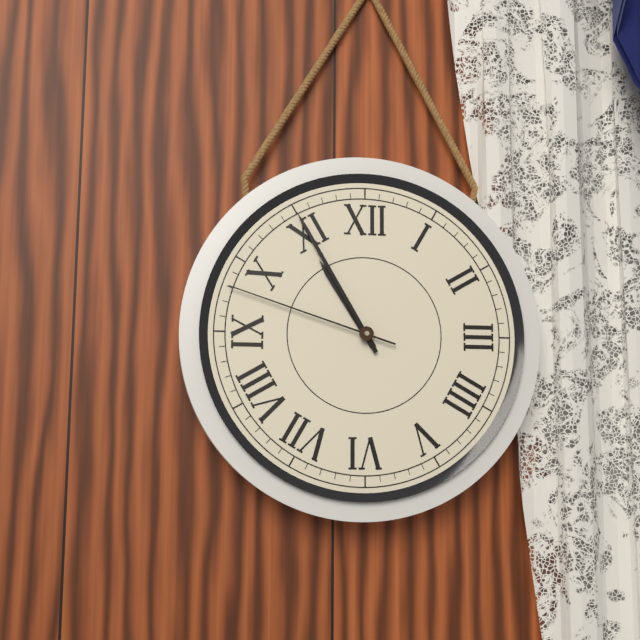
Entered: 10,55,48
